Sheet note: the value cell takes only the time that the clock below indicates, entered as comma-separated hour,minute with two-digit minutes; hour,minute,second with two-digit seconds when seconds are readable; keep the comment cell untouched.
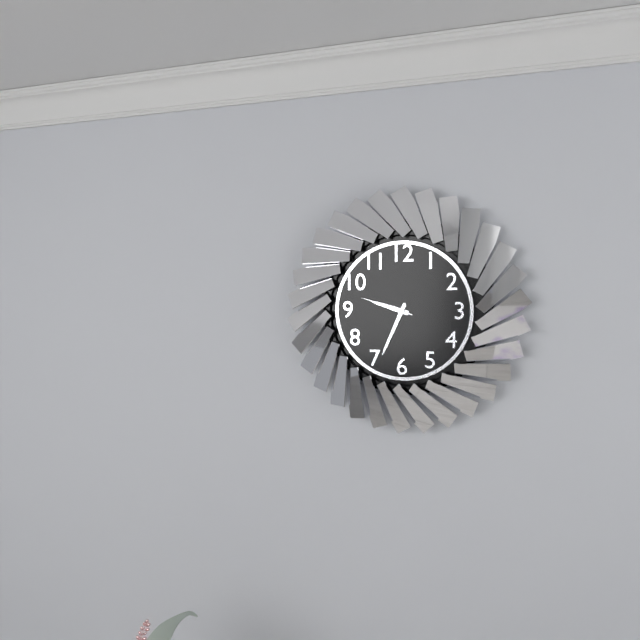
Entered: 9,34,48
